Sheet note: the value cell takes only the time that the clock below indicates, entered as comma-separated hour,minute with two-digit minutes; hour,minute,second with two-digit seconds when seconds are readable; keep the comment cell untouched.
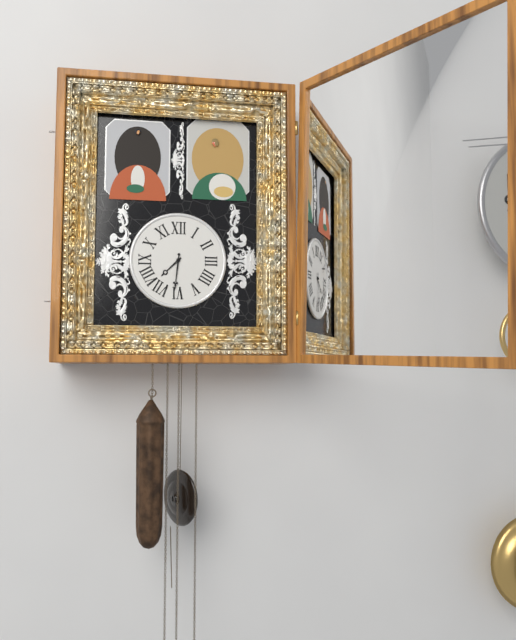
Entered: 7,31
